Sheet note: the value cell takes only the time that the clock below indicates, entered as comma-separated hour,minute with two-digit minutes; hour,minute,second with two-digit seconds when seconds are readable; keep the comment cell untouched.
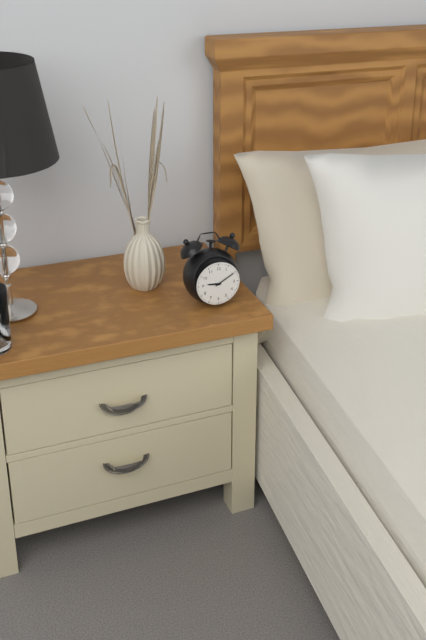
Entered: 9,10
